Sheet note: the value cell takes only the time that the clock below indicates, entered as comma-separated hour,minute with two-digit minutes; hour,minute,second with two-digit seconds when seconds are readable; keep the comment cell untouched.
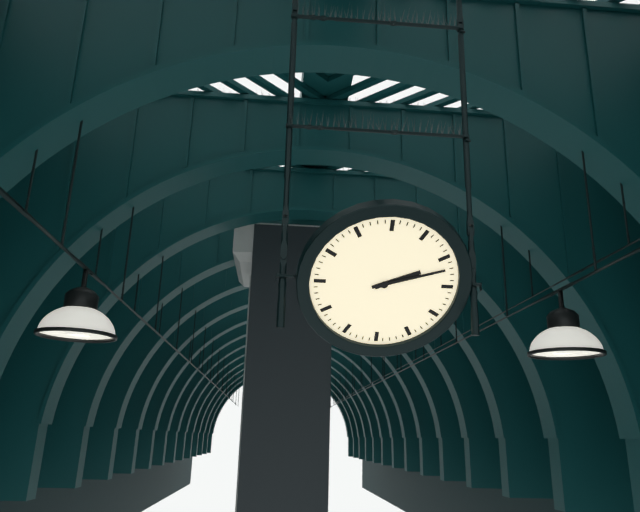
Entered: 2,12
